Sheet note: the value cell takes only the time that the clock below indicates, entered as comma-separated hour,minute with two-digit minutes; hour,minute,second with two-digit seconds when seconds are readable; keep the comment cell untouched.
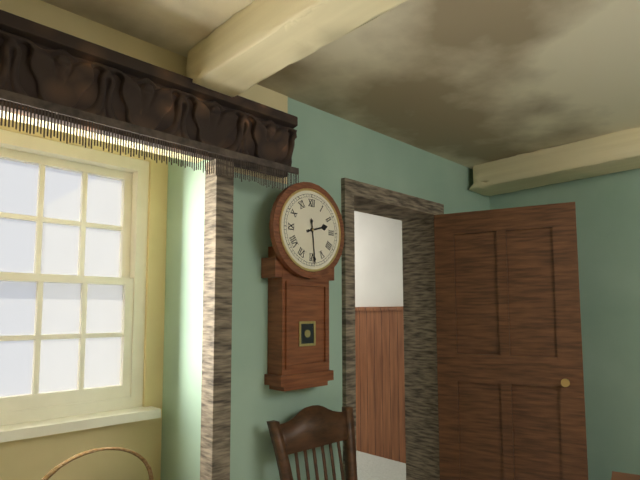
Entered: 2,29
